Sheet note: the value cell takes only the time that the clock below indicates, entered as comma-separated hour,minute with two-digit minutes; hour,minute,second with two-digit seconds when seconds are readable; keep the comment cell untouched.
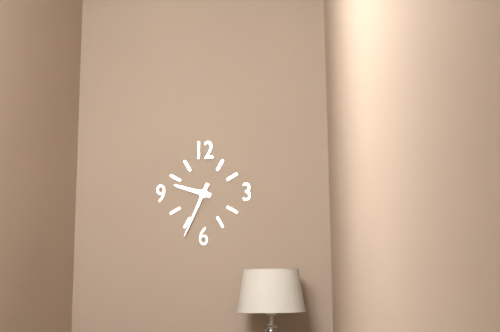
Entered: 9,34
